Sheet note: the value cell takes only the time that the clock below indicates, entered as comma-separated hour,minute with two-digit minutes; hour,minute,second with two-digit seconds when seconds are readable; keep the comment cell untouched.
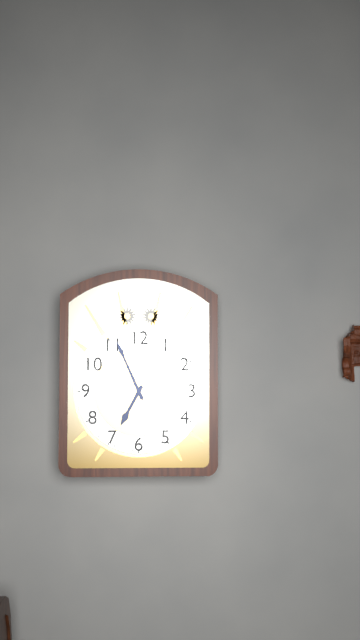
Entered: 6,56
